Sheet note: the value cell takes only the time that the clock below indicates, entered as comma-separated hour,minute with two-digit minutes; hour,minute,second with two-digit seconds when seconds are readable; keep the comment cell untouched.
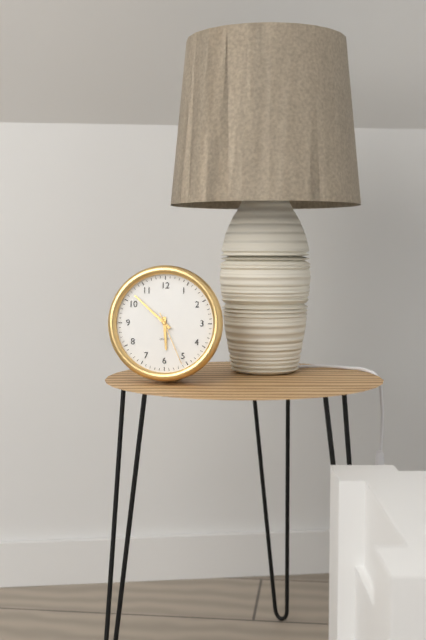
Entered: 5,52,26
